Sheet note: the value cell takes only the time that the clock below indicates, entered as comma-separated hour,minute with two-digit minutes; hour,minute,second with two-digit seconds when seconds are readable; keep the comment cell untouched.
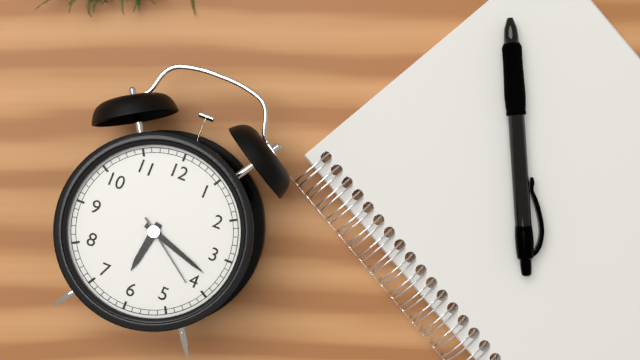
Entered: 6,18,21
